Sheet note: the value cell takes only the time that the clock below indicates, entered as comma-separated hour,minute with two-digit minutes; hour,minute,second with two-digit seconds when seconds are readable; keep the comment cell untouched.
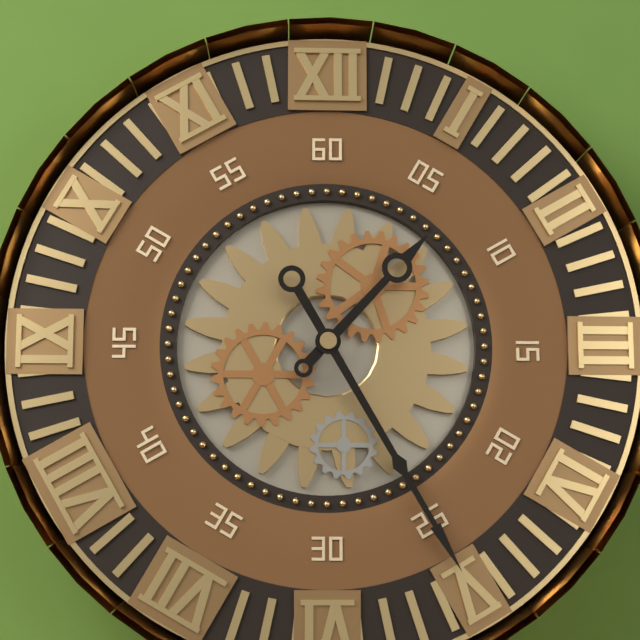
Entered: 1,25
